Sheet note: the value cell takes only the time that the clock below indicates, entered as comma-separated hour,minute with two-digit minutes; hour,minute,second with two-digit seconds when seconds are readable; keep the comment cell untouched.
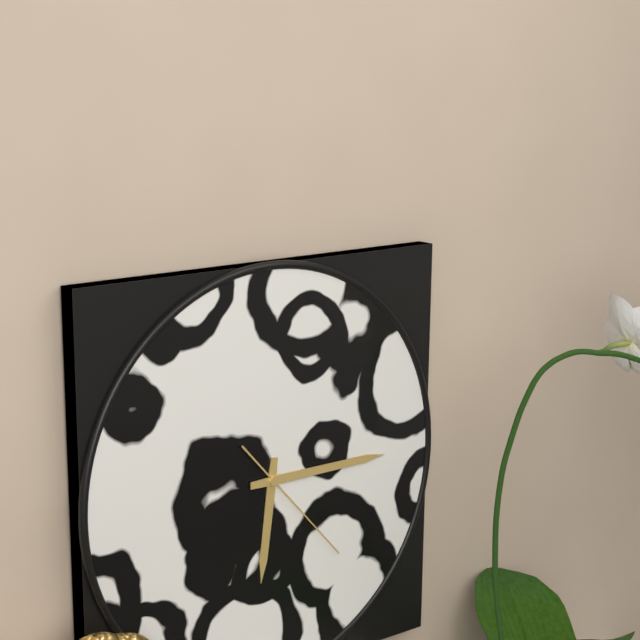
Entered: 6,15,23
